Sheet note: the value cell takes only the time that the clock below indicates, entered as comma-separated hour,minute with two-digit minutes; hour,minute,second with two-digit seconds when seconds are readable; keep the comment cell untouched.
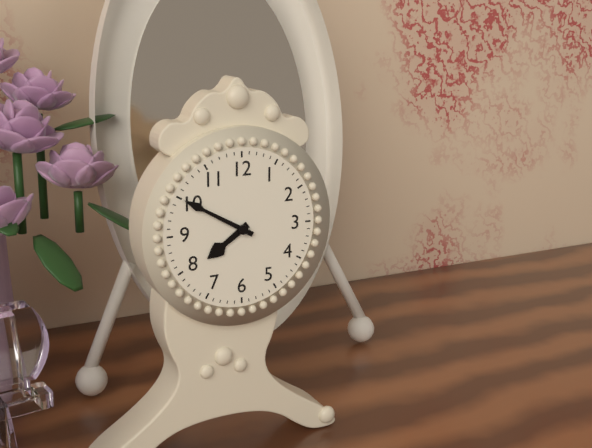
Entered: 7,50
